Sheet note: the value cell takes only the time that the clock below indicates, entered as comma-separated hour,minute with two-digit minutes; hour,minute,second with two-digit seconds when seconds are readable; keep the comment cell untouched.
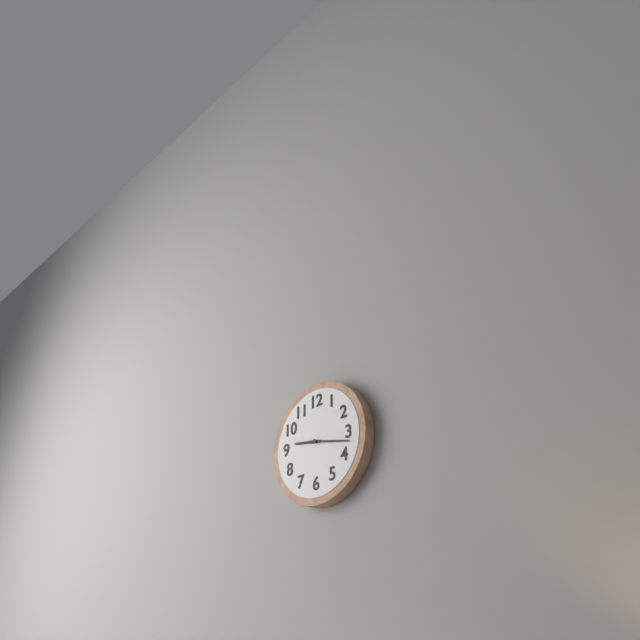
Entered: 9,17
